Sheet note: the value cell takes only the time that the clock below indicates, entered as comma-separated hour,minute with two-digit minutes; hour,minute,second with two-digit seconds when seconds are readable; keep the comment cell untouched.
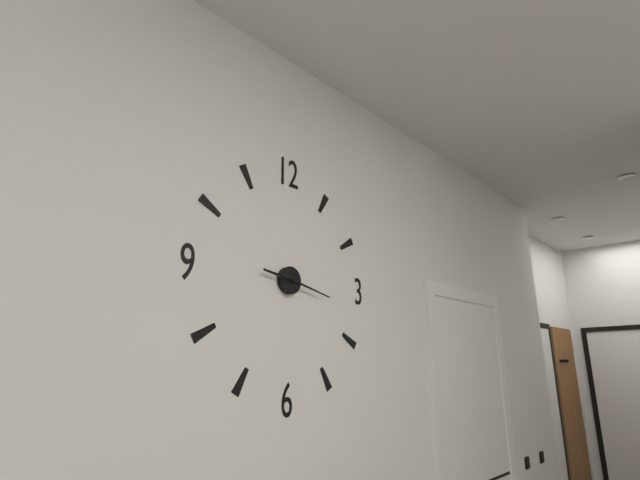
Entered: 9,17
